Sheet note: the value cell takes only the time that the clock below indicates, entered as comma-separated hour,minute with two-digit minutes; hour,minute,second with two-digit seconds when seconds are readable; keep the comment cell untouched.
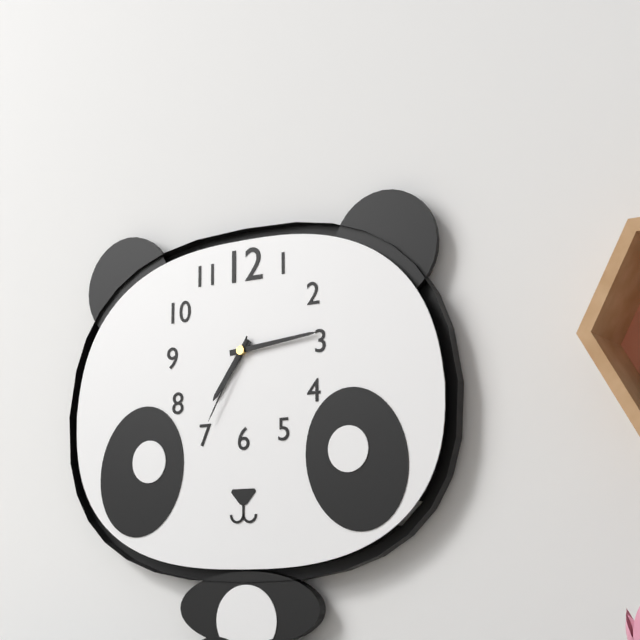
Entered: 7,14,35
